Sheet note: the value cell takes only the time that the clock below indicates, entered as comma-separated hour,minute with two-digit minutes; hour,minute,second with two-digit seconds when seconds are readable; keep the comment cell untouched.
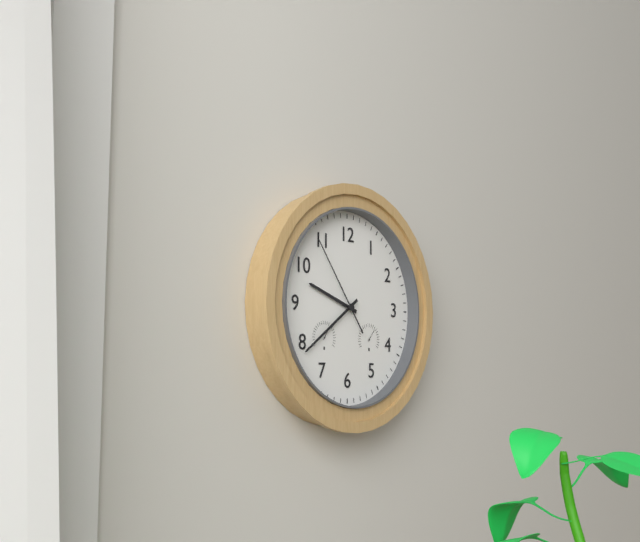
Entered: 9,39,54
